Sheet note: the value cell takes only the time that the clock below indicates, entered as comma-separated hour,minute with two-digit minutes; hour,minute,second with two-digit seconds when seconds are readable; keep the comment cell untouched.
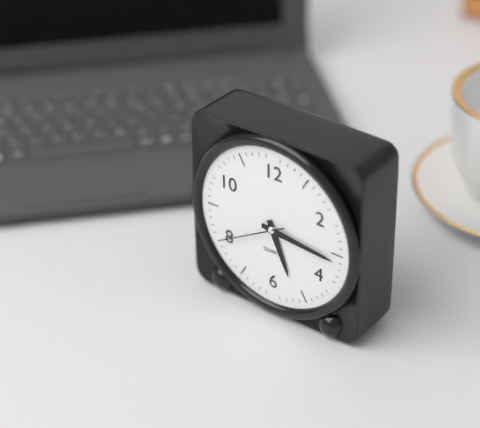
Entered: 5,16,40
